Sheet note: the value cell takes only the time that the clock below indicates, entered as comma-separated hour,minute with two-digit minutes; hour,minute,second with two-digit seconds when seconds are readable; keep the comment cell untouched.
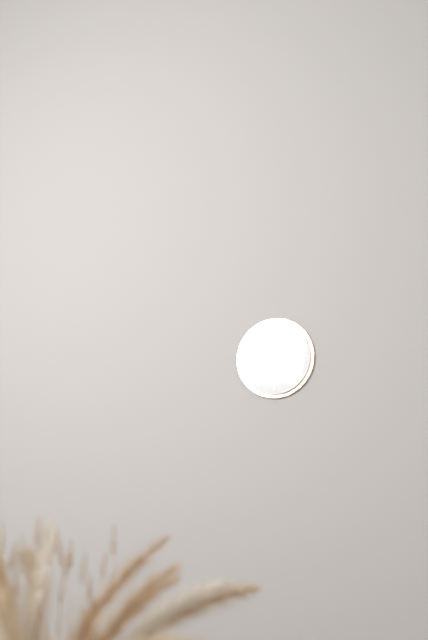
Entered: 4,56
